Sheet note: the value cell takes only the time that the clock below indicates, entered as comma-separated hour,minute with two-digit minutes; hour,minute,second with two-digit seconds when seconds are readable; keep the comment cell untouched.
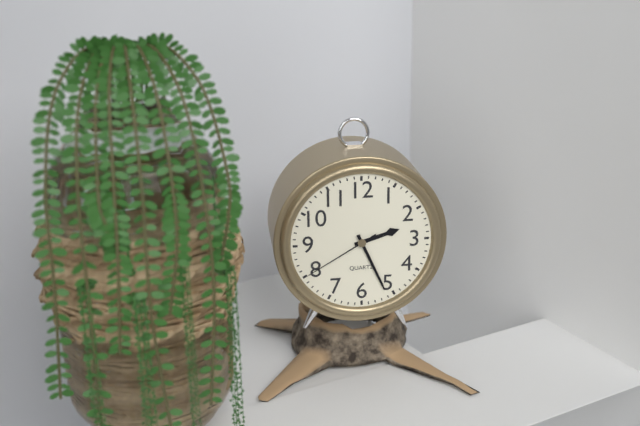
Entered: 2,26,40
